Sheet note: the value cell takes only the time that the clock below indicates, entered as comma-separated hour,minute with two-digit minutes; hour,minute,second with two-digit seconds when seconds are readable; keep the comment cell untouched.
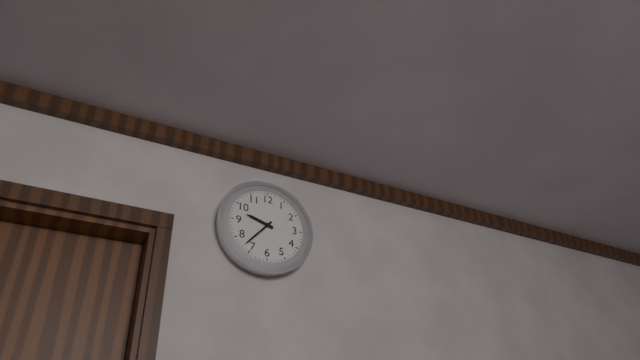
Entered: 9,37
